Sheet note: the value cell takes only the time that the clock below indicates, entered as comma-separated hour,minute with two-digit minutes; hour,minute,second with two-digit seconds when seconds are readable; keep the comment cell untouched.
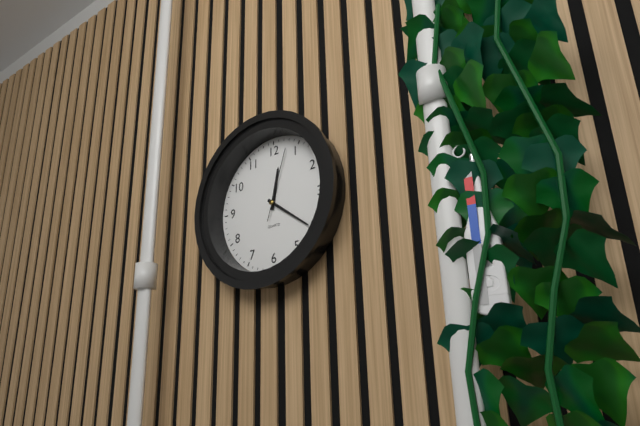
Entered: 12,21,03
